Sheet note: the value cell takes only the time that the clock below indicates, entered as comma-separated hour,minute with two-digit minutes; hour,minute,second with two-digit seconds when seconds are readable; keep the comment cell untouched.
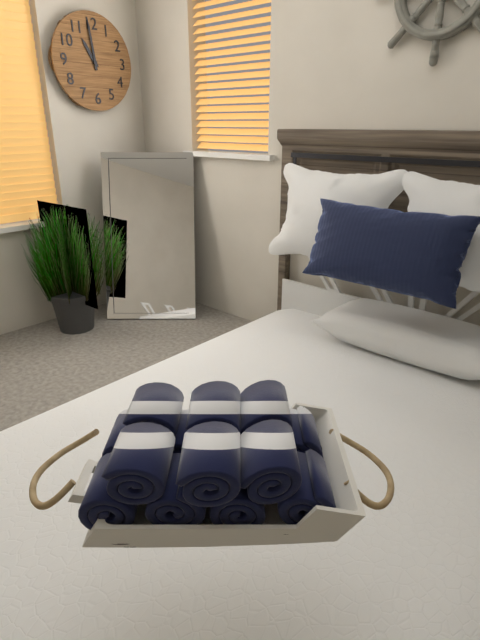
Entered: 10,59
